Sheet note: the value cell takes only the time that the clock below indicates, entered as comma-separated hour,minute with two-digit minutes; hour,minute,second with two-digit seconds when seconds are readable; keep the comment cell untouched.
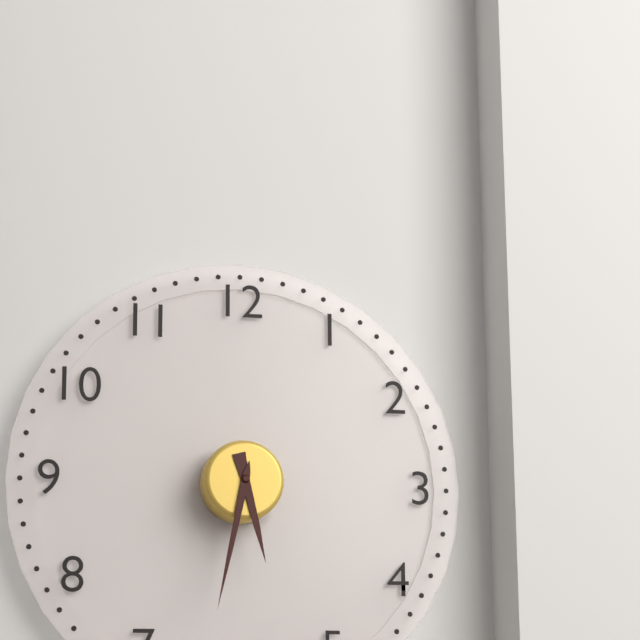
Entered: 5,32
